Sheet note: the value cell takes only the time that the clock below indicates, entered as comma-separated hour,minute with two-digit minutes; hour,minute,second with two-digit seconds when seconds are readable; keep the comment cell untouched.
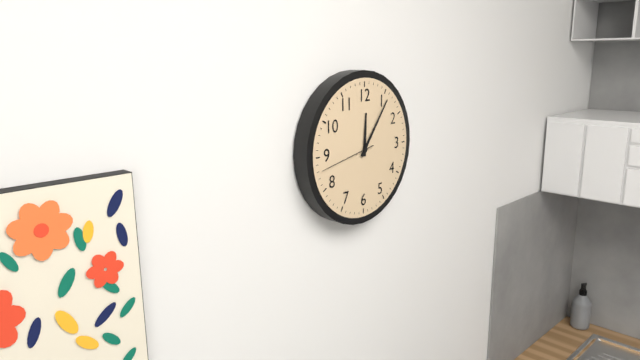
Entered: 12,06
